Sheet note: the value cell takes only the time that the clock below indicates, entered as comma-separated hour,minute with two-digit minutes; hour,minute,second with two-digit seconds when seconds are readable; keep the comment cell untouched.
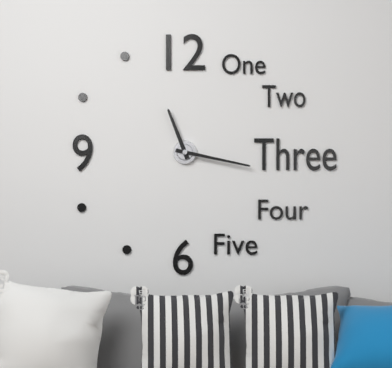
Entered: 11,17
